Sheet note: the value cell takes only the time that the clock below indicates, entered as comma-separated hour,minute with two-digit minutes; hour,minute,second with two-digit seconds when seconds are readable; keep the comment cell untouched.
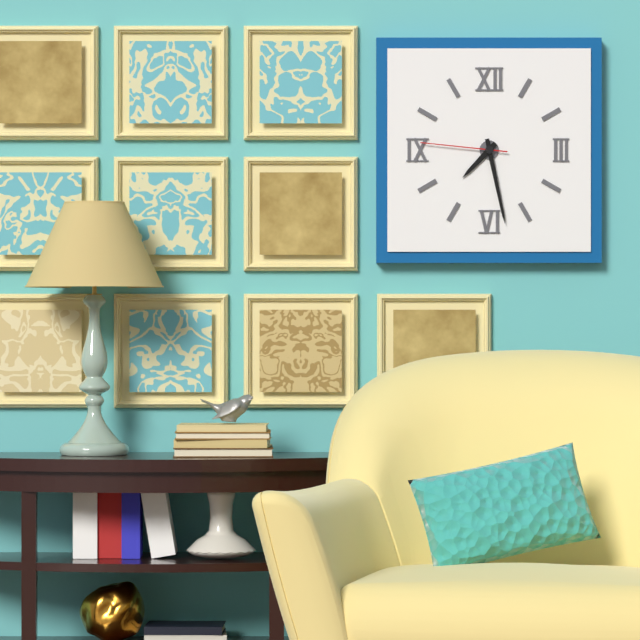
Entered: 7,28,46
